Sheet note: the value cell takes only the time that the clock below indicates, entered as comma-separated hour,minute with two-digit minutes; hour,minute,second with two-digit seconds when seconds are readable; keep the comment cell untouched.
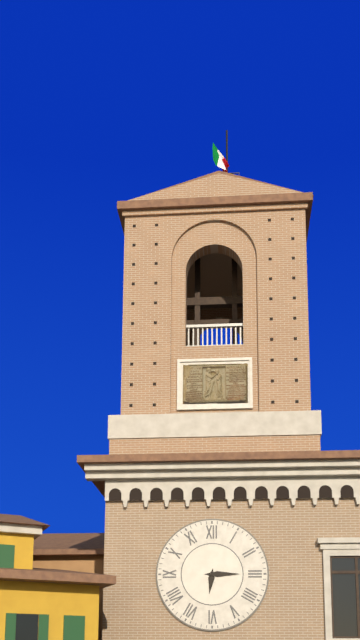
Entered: 6,15
